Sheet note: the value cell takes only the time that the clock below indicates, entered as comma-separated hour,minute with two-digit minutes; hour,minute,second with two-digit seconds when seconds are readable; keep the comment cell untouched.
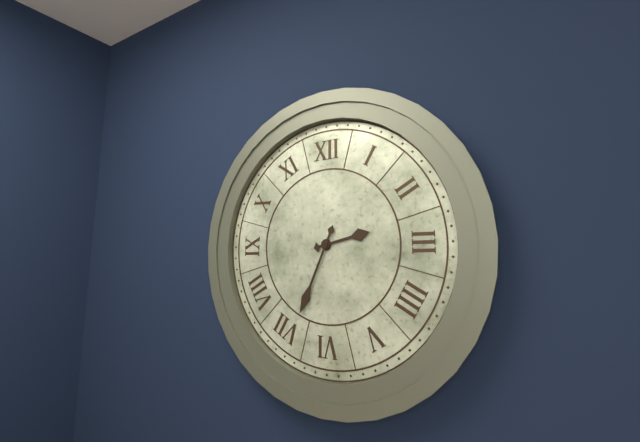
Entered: 2,34
